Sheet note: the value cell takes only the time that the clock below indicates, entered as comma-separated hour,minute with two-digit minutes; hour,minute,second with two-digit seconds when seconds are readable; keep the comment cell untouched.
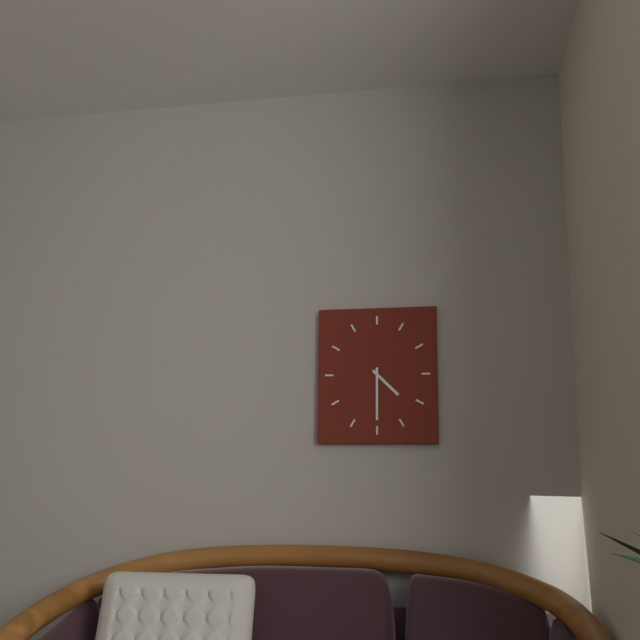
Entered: 4,30
